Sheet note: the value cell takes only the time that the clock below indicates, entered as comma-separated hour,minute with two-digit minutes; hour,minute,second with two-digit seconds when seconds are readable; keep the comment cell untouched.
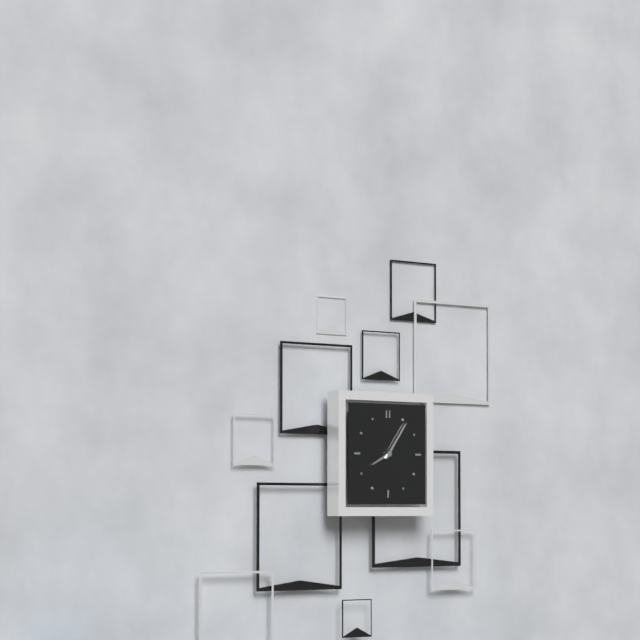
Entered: 8,06
